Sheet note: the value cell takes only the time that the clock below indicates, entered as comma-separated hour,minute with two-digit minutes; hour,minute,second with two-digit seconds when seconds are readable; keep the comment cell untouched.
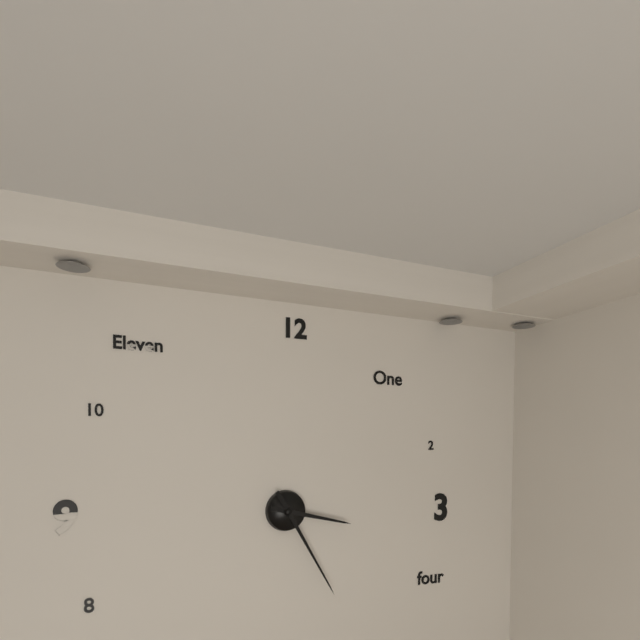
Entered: 3,25
